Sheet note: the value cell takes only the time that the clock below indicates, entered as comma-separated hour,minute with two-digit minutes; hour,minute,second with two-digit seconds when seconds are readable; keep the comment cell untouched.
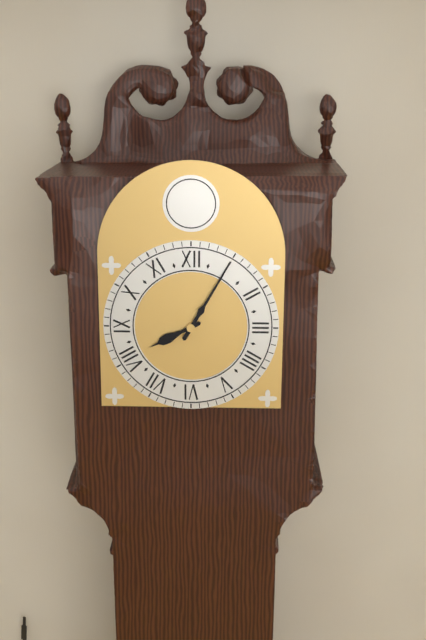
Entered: 8,05
